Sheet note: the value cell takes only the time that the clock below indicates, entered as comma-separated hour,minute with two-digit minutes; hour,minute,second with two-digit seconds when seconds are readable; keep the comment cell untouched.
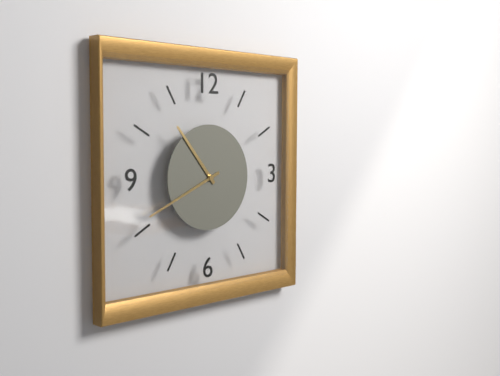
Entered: 10,41
